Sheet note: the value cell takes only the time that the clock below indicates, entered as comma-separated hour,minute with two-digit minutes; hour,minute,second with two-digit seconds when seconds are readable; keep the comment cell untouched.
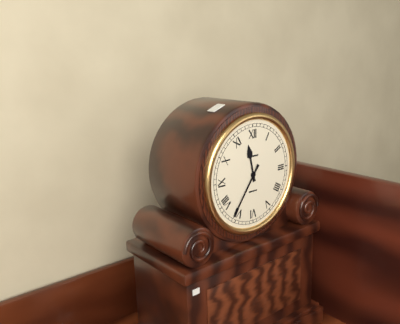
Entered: 11,36
